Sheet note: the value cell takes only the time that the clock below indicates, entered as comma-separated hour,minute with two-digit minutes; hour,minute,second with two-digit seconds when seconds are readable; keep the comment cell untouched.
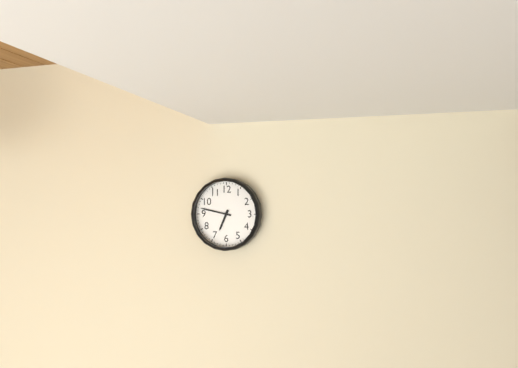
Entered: 6,47
